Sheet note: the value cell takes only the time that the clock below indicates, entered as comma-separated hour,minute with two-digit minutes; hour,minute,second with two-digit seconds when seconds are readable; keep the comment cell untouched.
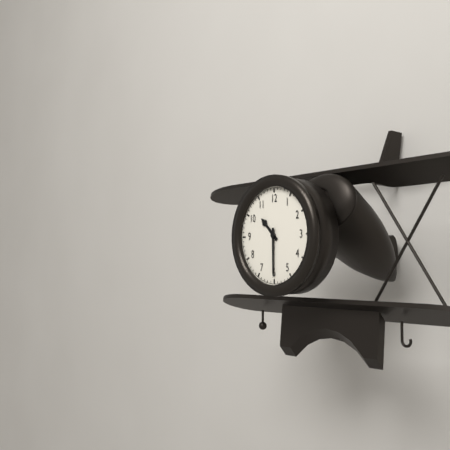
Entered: 10,30
